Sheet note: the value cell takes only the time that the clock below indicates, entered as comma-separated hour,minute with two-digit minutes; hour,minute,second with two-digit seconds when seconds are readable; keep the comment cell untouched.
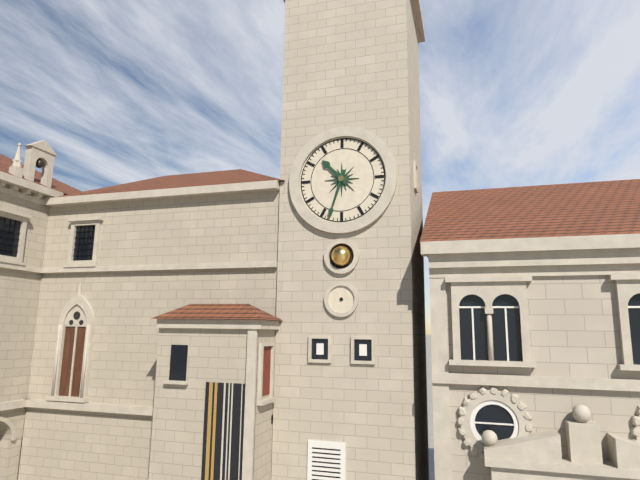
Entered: 10,33
